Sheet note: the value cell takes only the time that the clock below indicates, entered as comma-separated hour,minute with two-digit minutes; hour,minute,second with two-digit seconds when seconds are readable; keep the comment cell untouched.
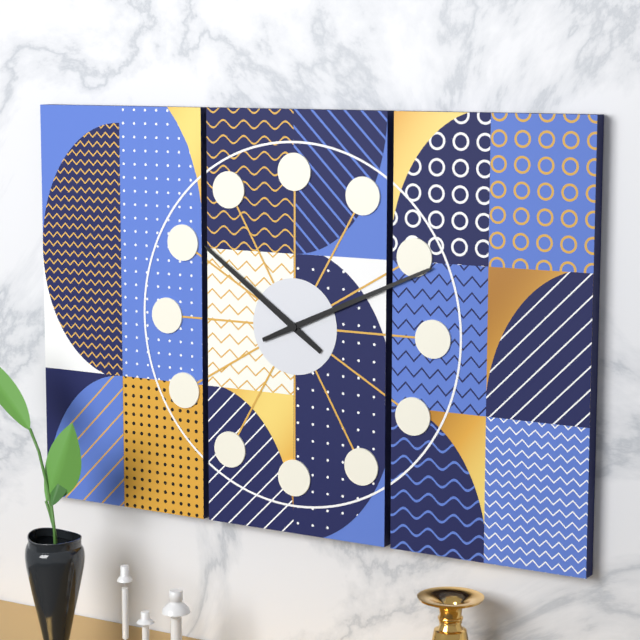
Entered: 10,11
